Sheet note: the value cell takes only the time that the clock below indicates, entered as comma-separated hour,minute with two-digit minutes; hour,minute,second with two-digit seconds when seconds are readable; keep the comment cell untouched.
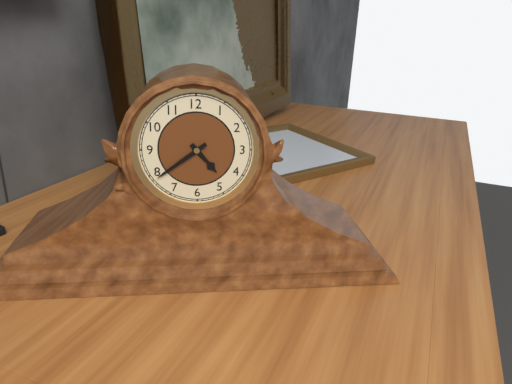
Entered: 4,39
